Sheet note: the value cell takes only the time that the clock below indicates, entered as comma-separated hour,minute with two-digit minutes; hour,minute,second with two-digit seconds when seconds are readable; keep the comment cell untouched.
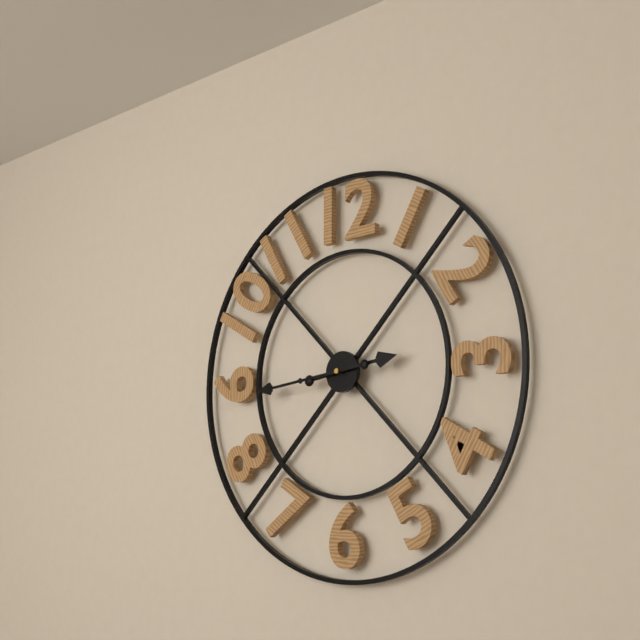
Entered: 2,44
